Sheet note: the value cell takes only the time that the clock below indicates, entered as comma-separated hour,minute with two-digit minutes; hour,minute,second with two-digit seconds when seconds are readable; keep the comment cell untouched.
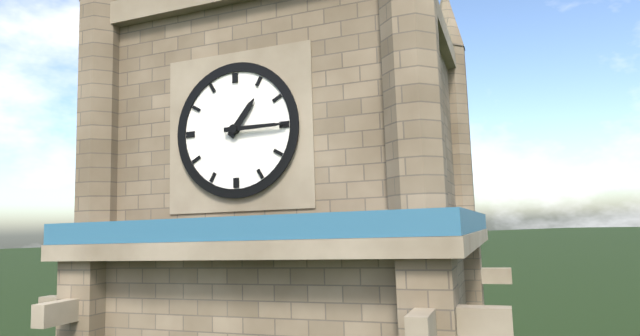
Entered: 1,15
